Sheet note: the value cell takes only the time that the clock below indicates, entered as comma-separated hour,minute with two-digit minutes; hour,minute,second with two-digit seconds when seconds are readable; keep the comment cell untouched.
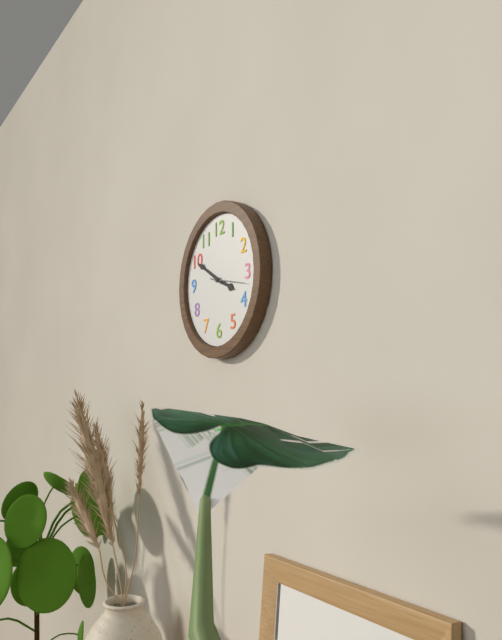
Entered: 3,50
